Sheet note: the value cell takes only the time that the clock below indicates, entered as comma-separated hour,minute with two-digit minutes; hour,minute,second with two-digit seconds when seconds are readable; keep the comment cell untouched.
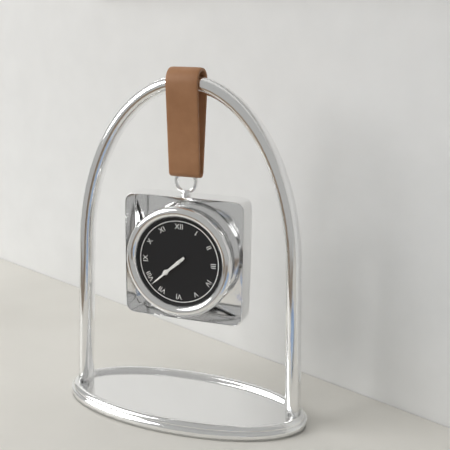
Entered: 7,38
